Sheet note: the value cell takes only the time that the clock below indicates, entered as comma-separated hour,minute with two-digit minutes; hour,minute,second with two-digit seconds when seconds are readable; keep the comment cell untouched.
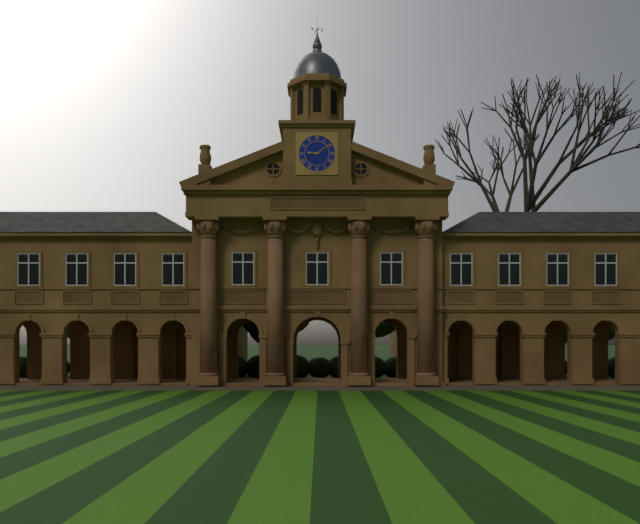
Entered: 9,09
